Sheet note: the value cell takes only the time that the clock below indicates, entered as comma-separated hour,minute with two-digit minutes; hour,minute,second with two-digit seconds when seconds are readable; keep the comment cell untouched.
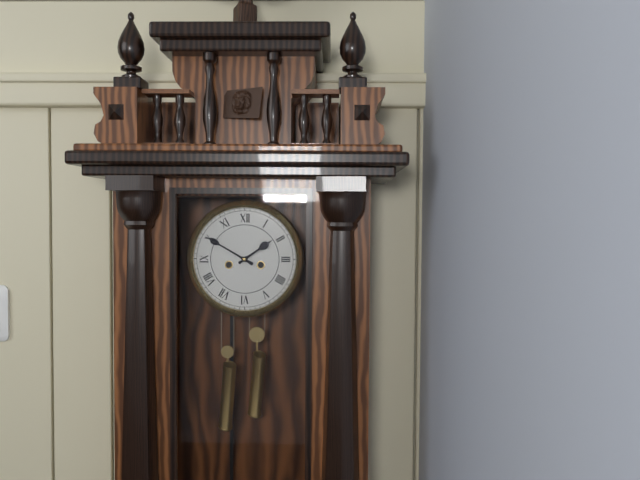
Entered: 1,50
